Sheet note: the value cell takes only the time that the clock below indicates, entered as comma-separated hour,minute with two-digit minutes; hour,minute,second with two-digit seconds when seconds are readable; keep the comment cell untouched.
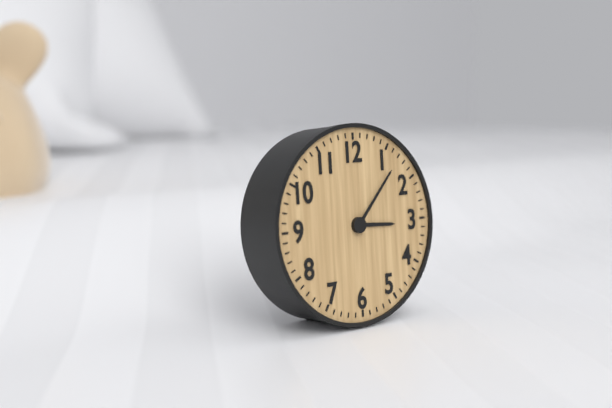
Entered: 3,07
